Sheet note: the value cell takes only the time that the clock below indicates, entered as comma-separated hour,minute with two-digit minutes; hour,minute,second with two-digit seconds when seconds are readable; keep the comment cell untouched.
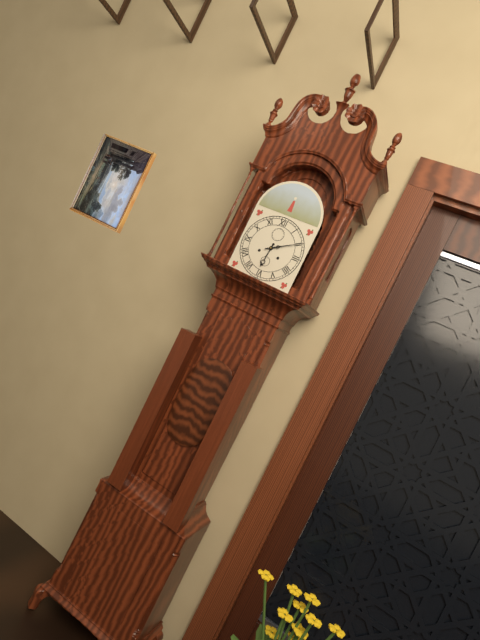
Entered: 6,10
